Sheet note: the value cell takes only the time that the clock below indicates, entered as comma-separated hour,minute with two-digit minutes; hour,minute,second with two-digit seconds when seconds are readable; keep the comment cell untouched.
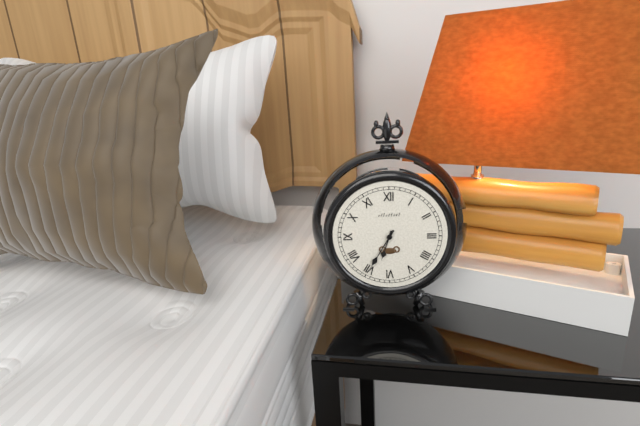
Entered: 6,35
